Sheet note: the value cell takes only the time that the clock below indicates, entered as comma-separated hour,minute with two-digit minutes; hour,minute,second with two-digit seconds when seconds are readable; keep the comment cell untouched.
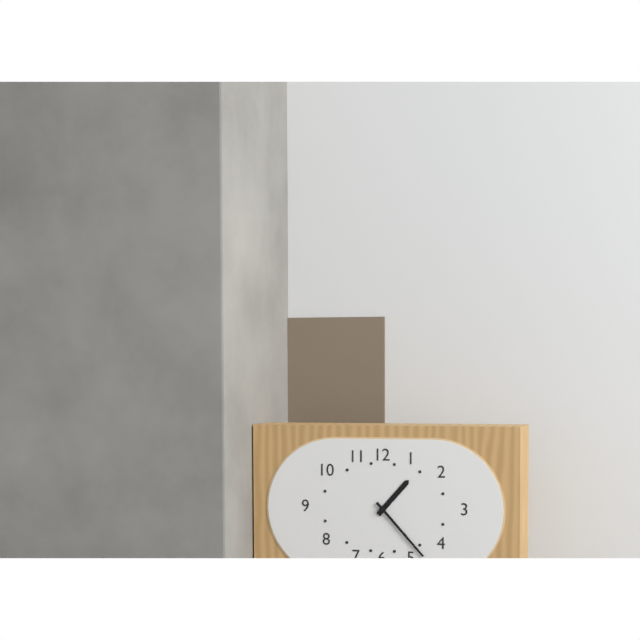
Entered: 1,23
